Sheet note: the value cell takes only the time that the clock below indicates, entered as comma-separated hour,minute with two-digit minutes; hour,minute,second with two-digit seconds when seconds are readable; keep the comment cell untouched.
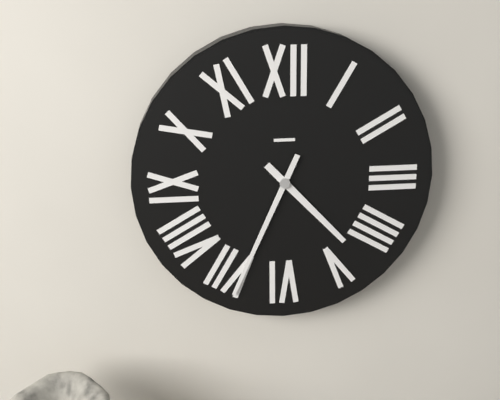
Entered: 4,34
